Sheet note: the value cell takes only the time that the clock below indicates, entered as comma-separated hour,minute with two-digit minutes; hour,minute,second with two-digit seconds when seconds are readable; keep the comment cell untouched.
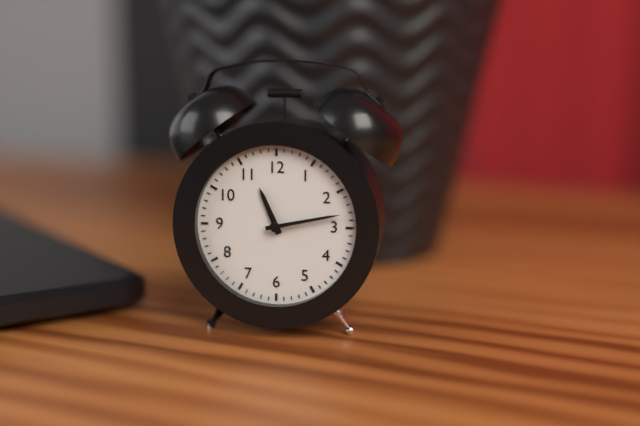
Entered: 11,13
